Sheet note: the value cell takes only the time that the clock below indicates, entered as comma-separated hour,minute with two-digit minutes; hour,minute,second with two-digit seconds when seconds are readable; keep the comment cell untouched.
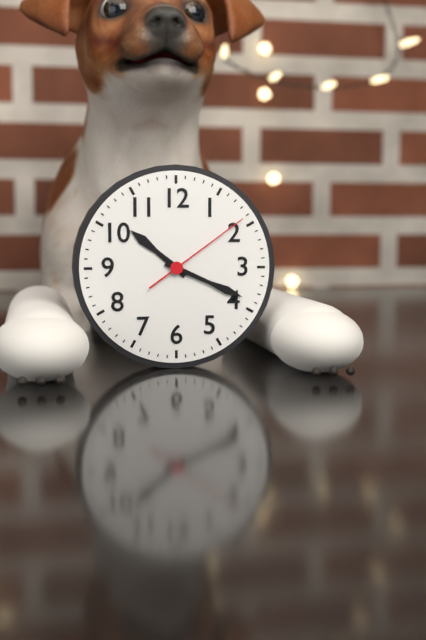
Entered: 10,19,09
